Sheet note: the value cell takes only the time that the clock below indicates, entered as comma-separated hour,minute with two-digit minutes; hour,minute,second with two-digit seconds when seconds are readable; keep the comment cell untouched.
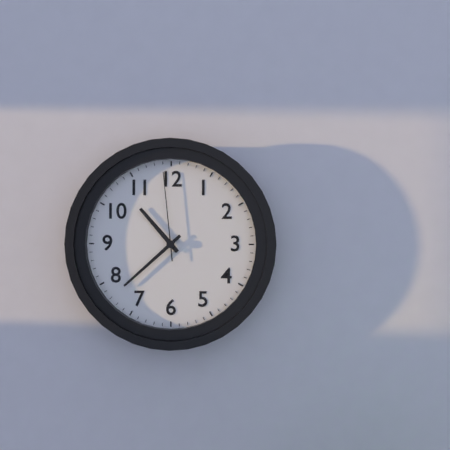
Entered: 10,38,59
